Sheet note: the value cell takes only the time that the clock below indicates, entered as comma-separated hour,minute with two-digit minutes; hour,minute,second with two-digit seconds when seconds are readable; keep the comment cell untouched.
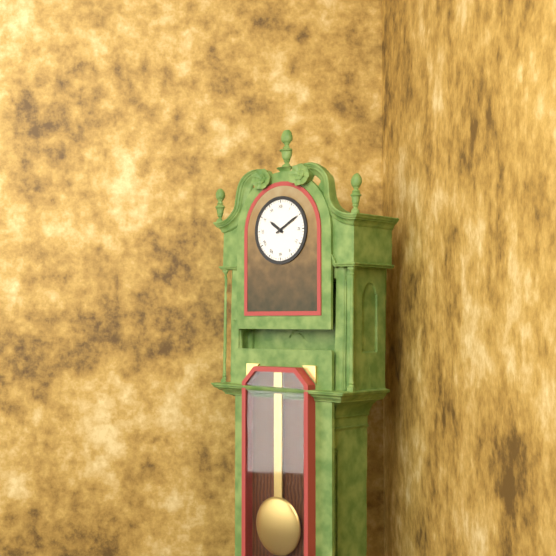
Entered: 10,10
